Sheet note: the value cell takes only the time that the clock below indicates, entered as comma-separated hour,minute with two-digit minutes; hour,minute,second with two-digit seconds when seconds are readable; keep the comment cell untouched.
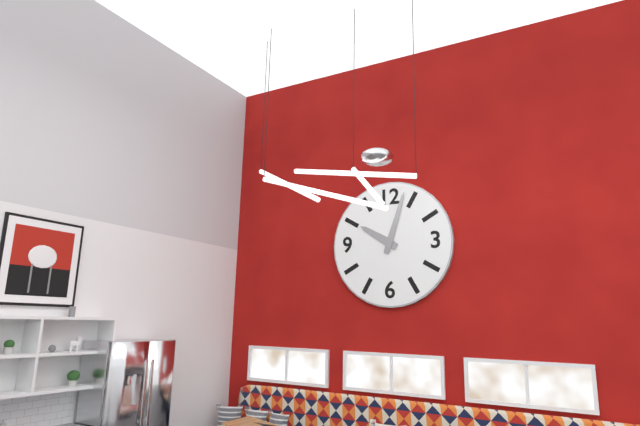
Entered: 10,03
